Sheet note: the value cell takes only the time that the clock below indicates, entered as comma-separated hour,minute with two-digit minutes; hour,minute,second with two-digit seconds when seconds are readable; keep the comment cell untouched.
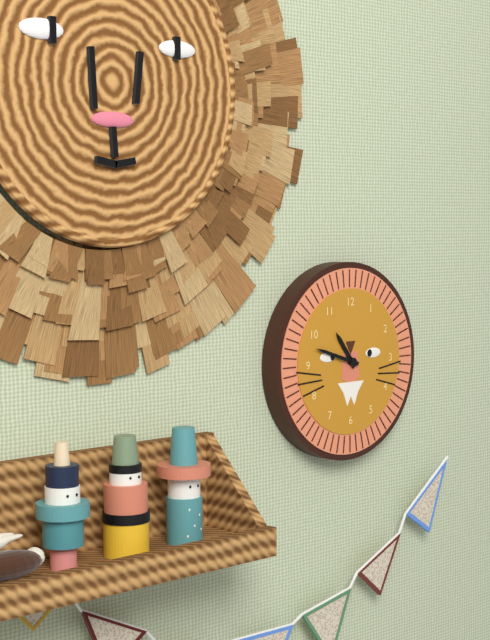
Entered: 10,48
